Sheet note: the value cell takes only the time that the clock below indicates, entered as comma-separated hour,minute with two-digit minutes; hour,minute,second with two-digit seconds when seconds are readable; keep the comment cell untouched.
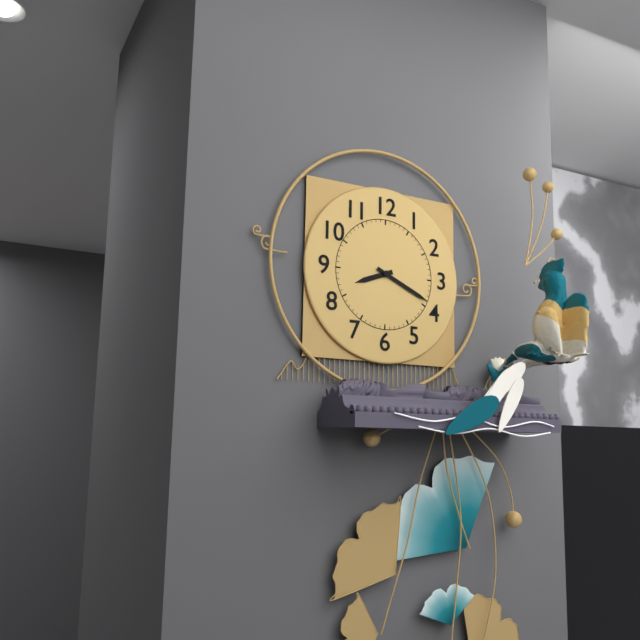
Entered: 8,19
